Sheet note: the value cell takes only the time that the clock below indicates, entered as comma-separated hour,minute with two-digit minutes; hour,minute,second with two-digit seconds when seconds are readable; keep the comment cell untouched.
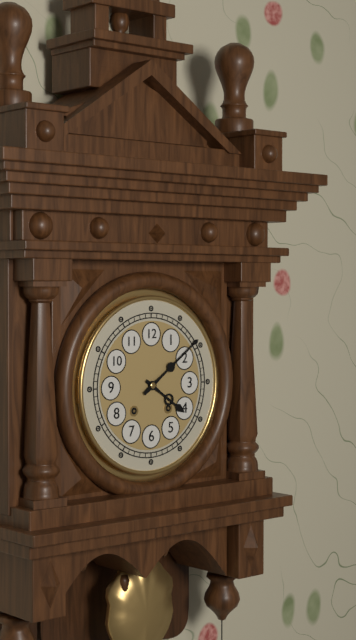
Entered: 4,09
